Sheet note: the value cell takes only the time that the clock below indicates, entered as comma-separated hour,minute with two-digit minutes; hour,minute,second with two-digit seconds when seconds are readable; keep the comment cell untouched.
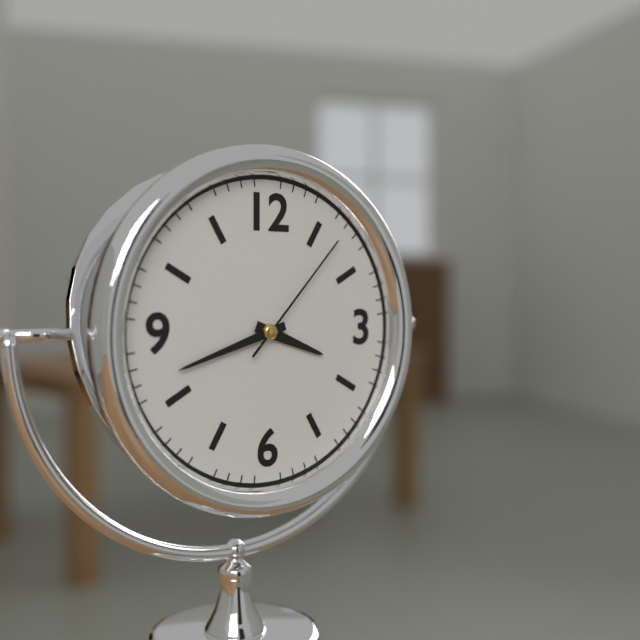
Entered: 3,42,07
